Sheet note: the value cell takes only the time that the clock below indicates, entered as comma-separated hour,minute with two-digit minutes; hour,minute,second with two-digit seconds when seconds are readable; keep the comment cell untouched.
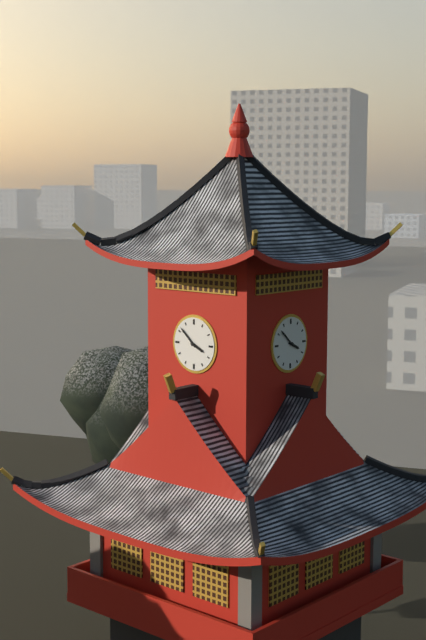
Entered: 3,52
